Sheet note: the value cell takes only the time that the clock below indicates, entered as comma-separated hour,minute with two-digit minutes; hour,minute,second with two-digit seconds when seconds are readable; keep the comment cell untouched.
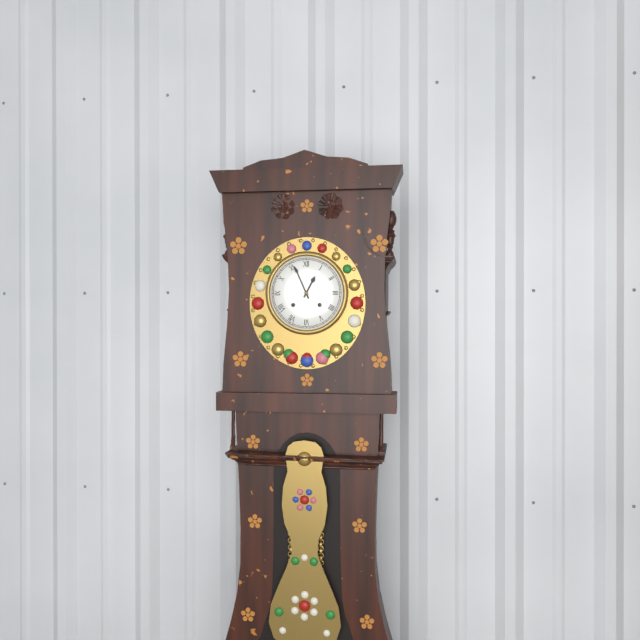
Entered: 12,56
